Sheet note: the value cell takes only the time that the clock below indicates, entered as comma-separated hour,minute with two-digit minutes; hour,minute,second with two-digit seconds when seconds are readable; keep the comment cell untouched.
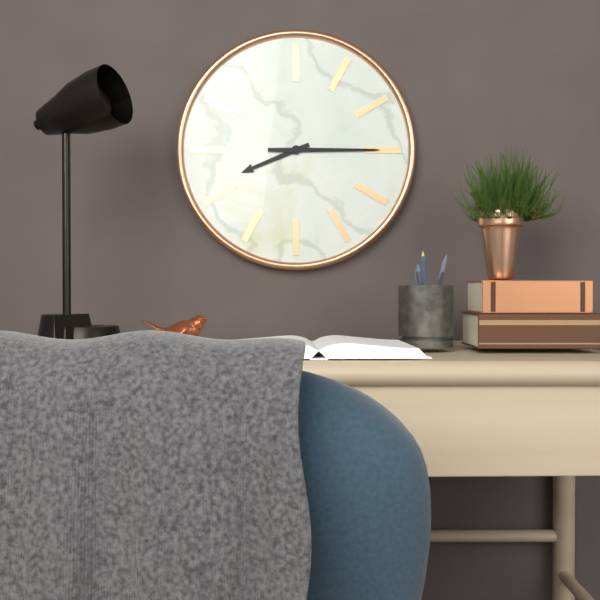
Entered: 8,15
